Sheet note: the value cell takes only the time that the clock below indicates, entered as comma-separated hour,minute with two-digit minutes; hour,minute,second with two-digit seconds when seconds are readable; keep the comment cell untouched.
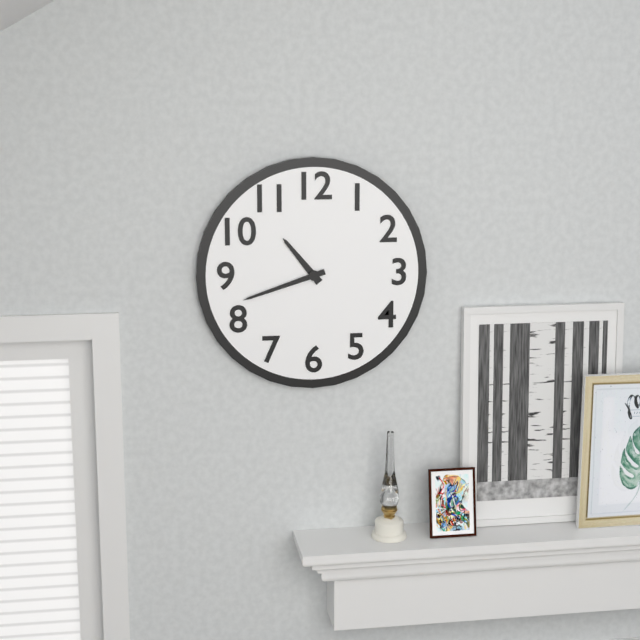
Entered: 10,42
